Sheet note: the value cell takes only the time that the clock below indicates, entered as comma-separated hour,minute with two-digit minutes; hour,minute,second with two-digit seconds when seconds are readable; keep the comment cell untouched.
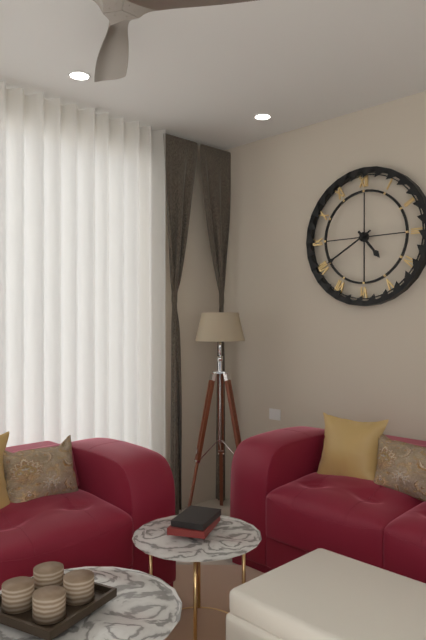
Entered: 4,40
